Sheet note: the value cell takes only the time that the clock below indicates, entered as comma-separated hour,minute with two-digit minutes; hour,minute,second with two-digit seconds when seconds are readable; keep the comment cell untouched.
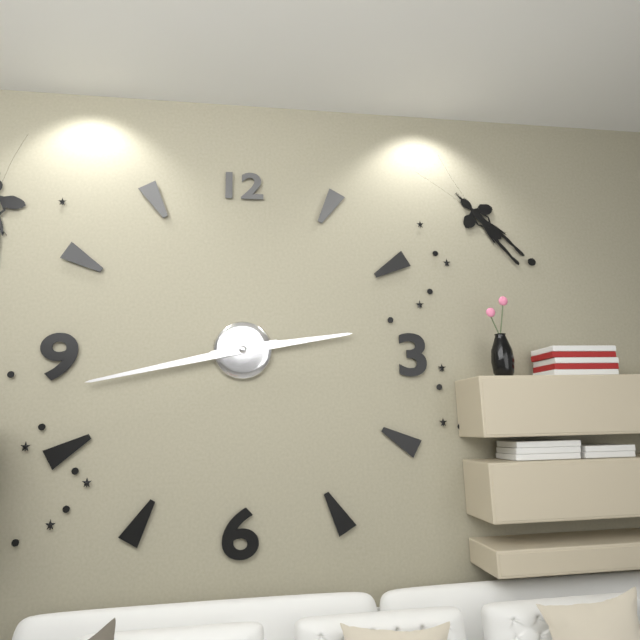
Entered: 2,43
